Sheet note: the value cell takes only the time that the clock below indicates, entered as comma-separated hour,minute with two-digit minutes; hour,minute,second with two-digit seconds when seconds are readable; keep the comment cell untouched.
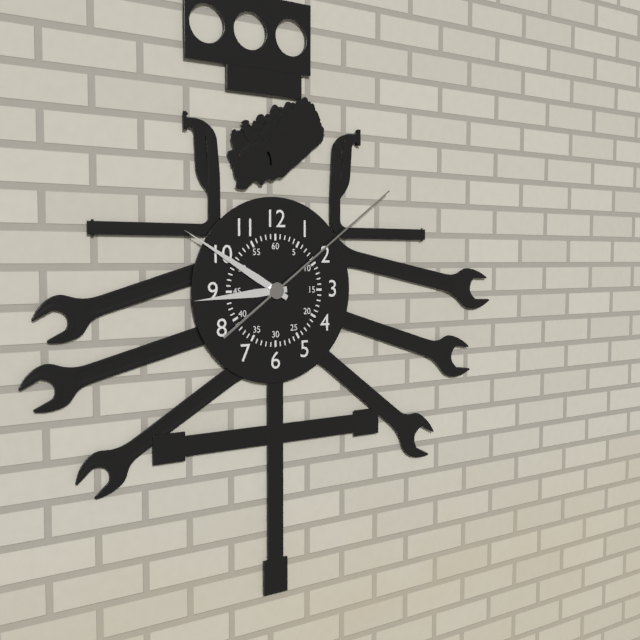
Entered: 8,50,09
